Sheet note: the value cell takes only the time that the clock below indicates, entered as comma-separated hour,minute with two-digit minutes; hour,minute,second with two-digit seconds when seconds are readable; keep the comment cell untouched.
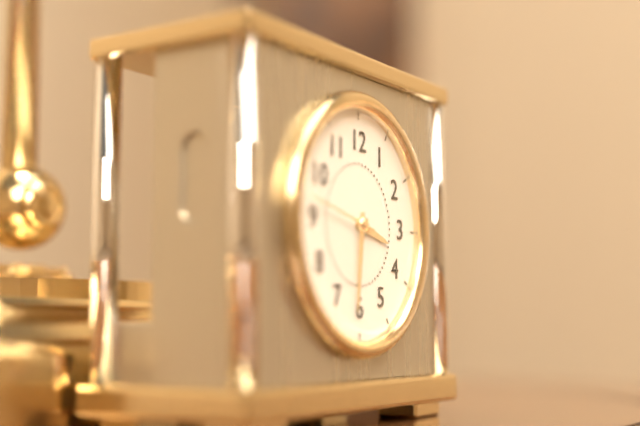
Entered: 3,31,47
